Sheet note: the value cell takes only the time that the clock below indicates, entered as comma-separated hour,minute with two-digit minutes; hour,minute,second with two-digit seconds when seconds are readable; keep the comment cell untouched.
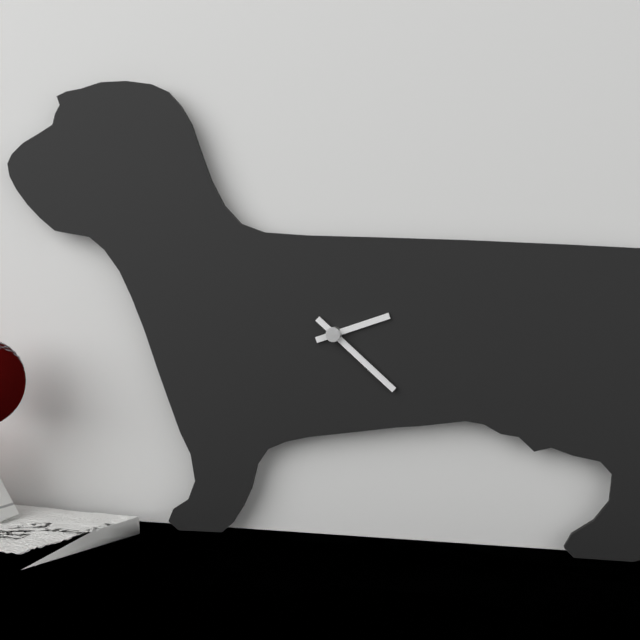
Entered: 2,22
